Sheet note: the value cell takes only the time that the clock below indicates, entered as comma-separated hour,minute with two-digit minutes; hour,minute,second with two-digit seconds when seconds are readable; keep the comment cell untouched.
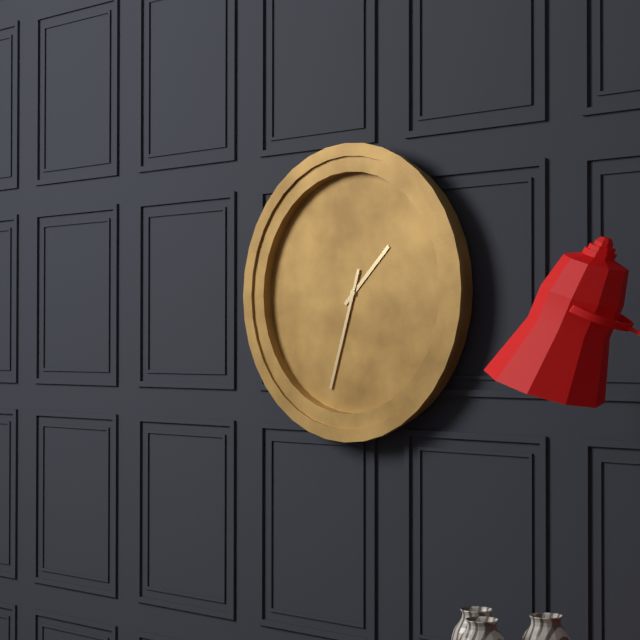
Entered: 1,33
